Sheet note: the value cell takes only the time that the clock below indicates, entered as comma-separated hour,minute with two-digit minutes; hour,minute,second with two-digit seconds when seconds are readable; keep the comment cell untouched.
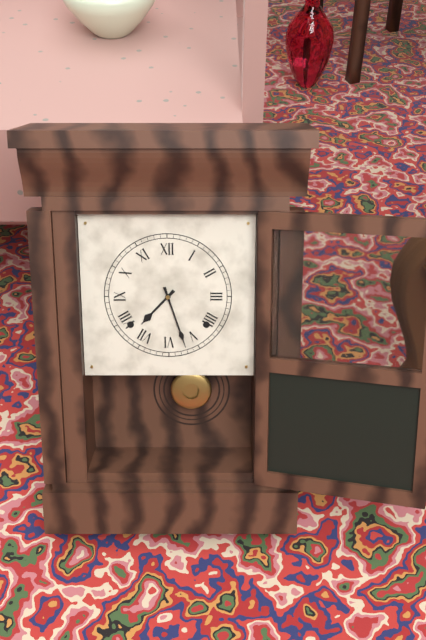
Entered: 7,27
